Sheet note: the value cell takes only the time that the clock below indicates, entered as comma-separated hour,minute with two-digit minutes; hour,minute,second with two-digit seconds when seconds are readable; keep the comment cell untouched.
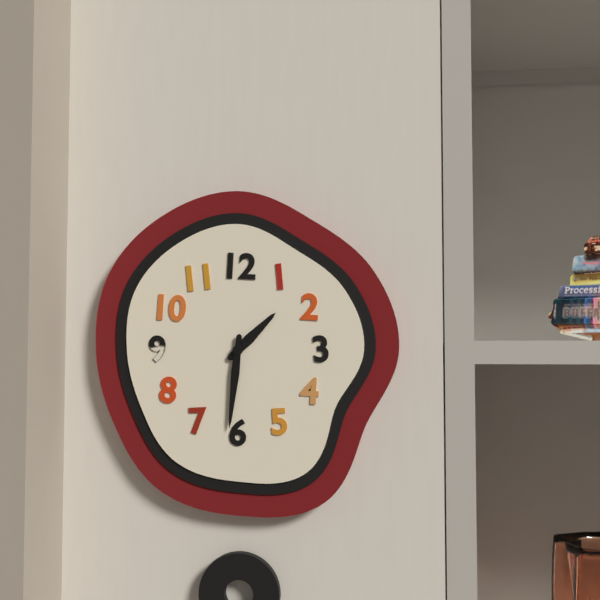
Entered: 1,31
